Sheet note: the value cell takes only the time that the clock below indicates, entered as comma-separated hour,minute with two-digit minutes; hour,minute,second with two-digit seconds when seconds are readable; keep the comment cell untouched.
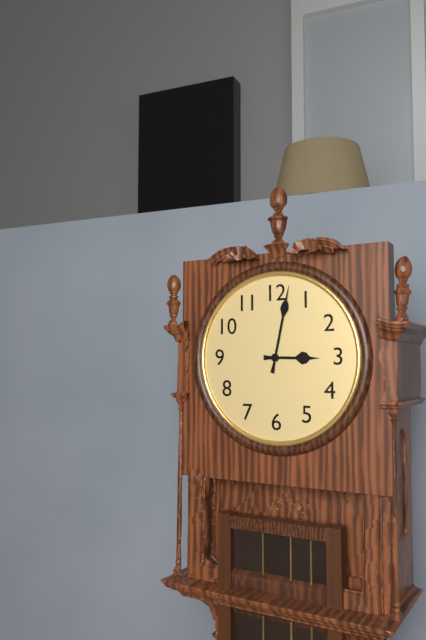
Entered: 3,02
